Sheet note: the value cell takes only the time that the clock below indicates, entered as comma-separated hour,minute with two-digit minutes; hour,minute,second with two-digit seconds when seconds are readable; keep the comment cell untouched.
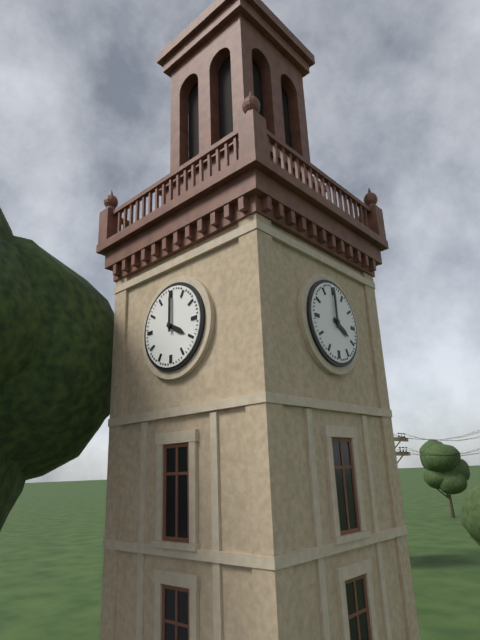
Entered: 4,00
